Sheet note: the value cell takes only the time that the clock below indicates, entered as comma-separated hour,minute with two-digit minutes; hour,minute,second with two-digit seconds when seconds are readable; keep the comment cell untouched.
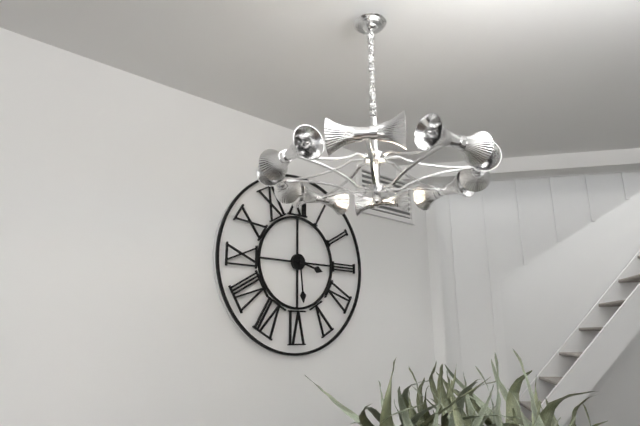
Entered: 3,29
